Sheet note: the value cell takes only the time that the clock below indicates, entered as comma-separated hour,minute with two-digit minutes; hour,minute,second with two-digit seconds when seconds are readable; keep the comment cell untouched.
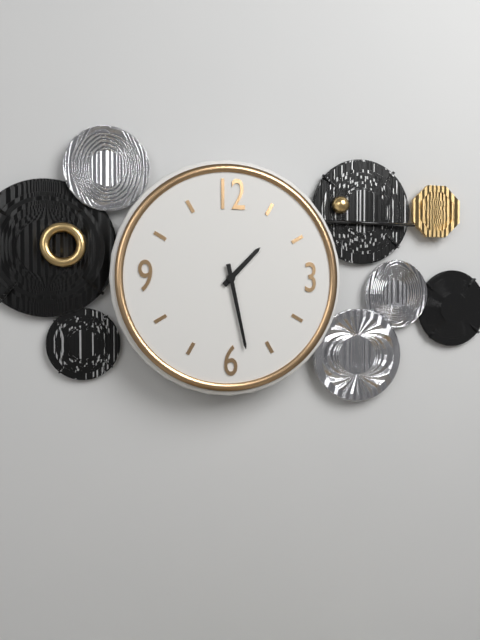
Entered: 1,28
